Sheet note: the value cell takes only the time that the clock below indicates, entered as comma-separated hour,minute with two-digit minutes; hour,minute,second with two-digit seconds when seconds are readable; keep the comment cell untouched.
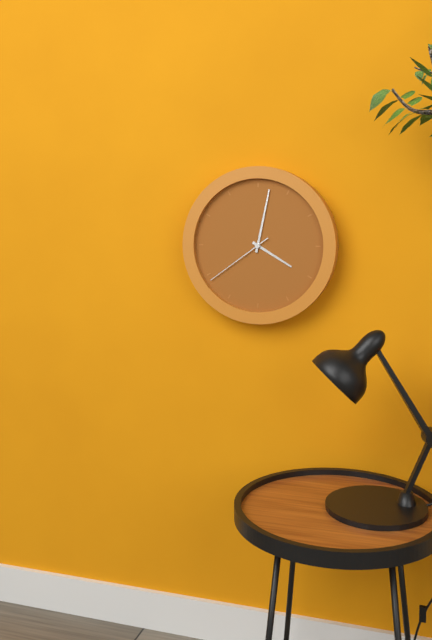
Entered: 4,02,39
